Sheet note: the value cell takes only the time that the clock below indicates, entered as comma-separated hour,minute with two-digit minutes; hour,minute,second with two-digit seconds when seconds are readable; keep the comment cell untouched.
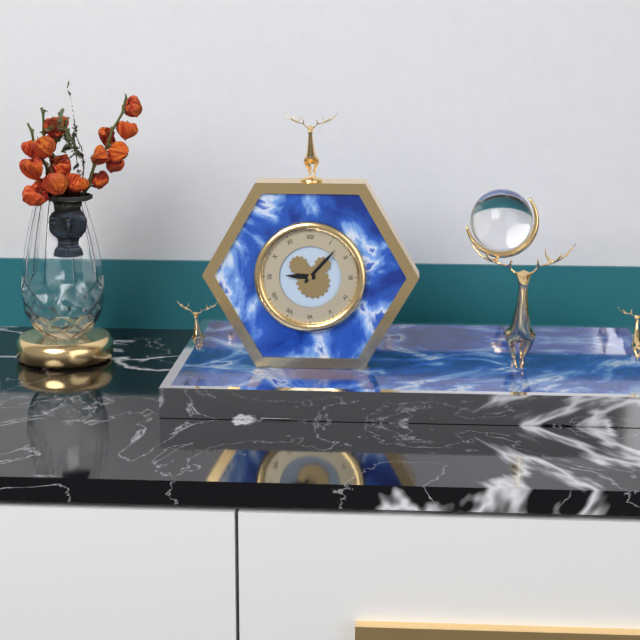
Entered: 9,07
